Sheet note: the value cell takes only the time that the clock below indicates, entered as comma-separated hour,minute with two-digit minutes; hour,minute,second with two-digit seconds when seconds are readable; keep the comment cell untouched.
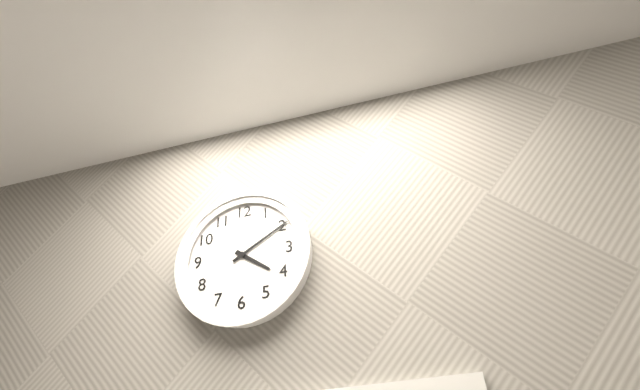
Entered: 4,10
